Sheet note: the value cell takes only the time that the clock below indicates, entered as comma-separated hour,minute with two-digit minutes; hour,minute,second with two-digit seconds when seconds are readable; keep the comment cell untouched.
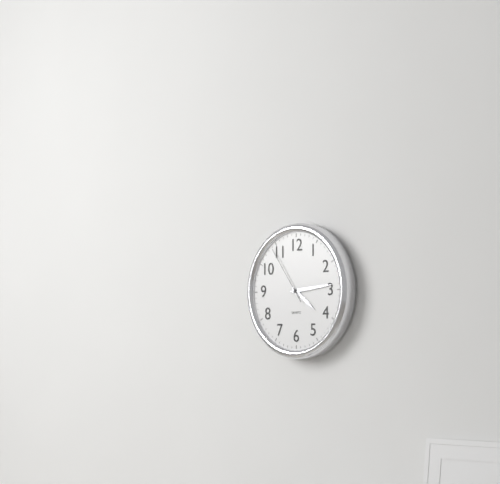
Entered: 4,14,54
